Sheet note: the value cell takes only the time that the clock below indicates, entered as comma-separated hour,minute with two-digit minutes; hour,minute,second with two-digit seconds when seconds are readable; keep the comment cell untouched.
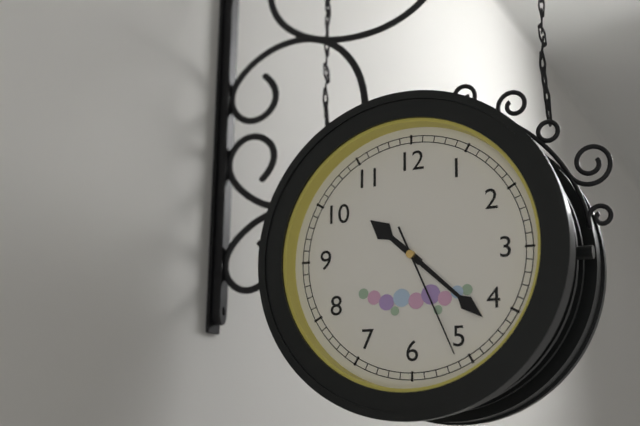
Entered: 10,22,26
